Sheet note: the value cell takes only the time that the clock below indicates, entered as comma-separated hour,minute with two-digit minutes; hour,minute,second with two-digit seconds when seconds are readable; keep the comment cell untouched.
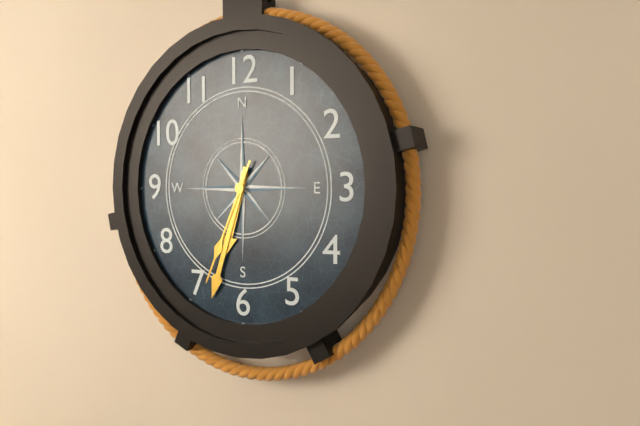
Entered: 6,33,34
